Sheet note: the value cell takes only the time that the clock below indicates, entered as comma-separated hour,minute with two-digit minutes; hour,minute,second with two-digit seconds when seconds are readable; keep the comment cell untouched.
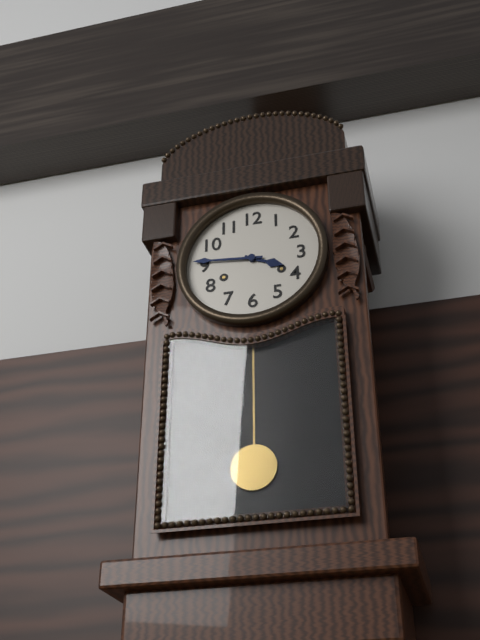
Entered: 3,46
